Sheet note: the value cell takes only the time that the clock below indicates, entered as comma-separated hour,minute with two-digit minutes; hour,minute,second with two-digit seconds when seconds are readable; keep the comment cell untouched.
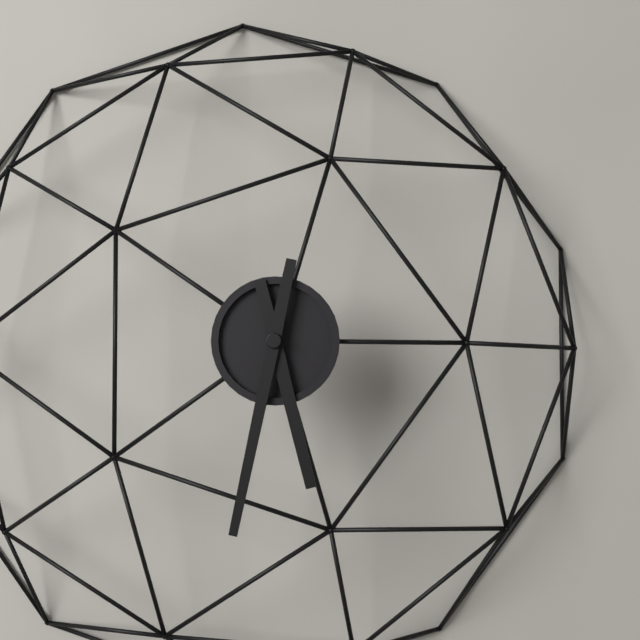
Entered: 5,32
